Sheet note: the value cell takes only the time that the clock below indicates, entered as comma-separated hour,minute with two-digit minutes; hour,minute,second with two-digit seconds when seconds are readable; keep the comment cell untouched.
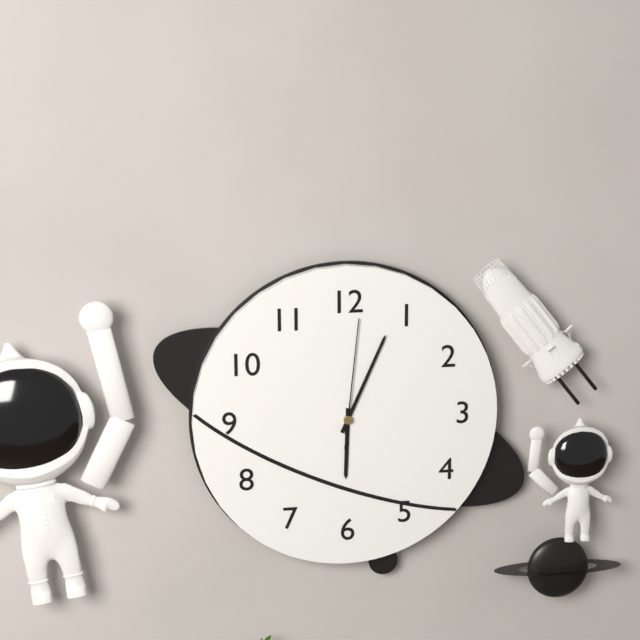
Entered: 6,04,01
